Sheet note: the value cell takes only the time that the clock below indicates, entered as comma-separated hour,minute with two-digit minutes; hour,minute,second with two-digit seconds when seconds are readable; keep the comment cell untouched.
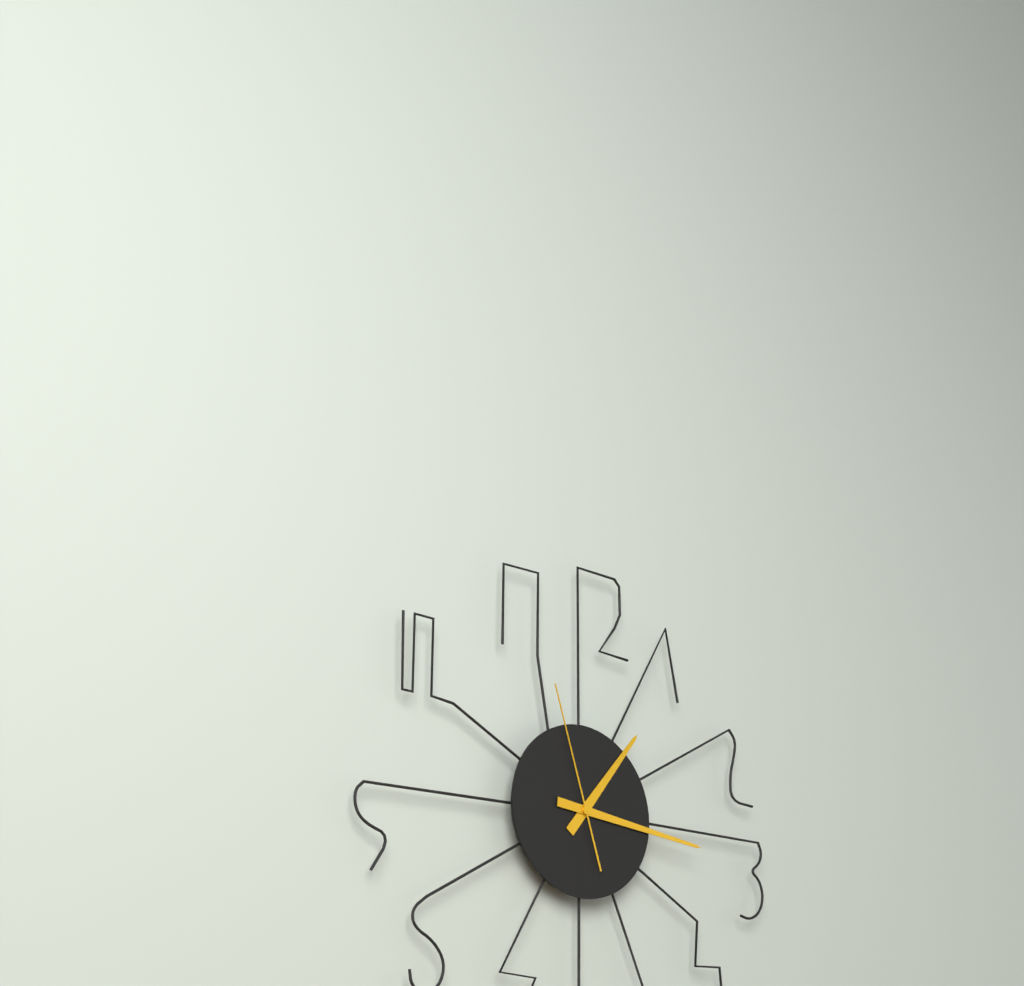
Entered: 1,16,57
